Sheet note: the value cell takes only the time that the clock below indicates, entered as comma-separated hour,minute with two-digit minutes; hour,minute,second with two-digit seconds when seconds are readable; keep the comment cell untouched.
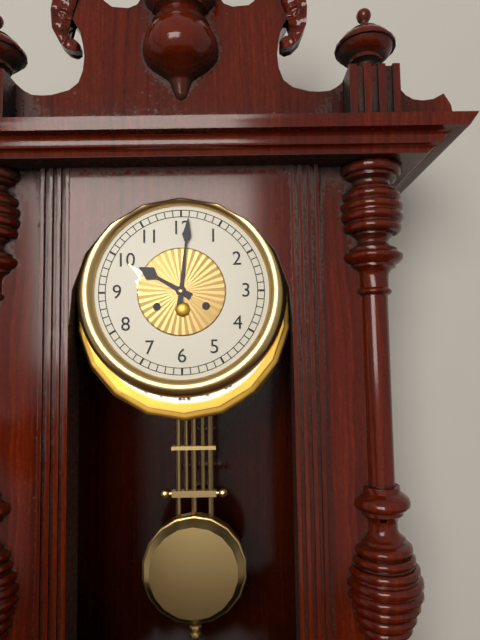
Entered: 10,01
